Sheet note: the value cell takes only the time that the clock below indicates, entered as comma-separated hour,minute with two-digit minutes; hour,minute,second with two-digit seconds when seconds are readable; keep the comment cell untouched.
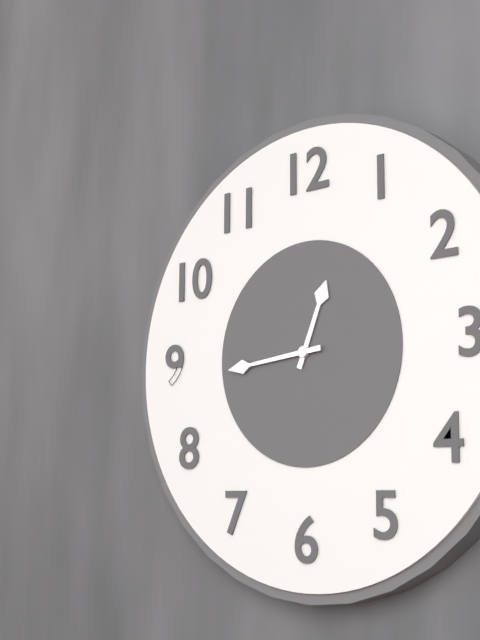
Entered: 12,44
